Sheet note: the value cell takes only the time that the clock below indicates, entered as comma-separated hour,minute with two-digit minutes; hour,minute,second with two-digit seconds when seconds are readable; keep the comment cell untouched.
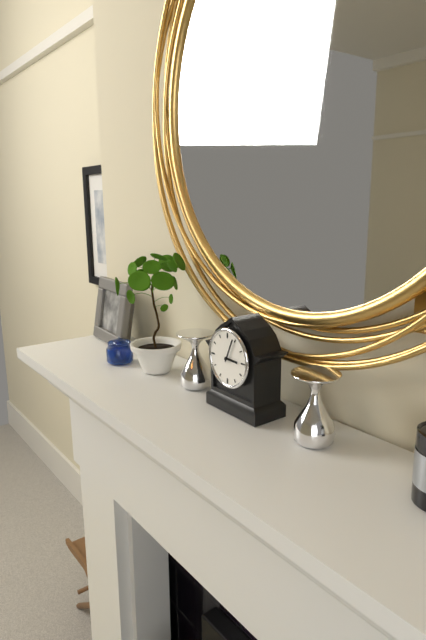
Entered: 3,04
